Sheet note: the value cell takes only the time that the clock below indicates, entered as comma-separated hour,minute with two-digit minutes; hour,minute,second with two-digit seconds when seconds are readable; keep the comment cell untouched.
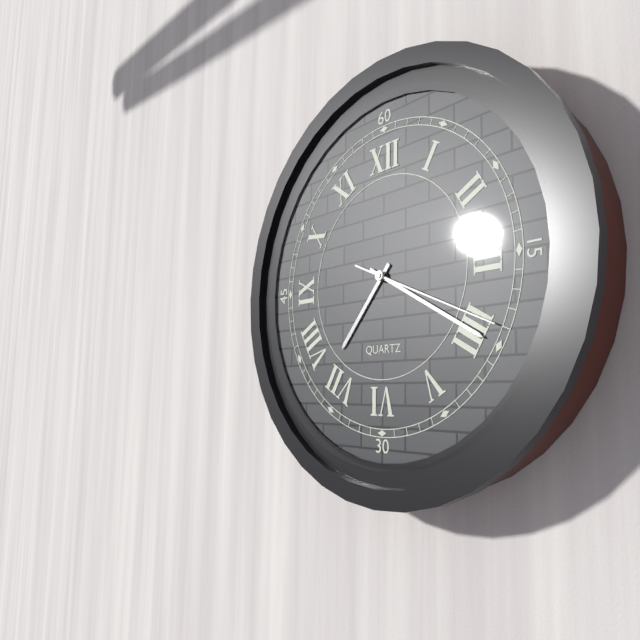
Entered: 7,20,19
